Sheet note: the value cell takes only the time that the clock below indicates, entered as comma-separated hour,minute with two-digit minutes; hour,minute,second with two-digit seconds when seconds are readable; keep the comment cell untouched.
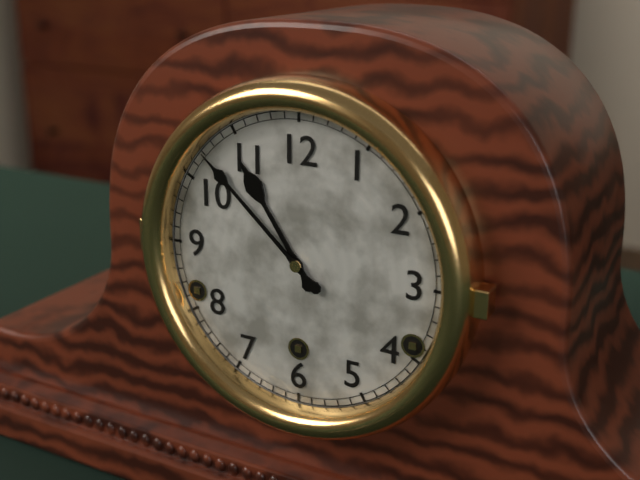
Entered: 10,52
